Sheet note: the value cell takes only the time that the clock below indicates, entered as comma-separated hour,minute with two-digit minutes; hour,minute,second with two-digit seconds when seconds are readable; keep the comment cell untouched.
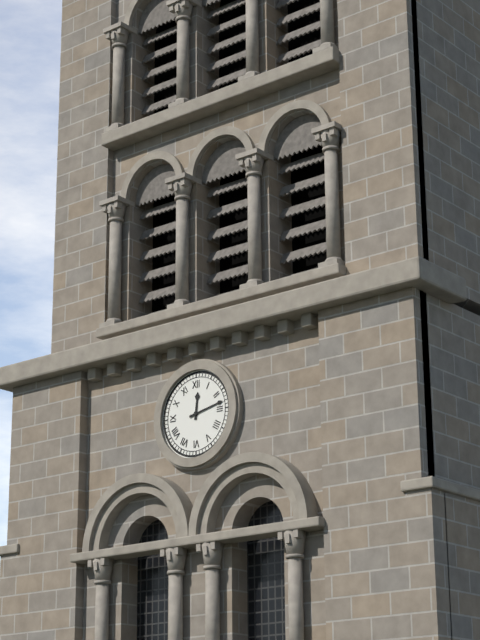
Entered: 12,13
